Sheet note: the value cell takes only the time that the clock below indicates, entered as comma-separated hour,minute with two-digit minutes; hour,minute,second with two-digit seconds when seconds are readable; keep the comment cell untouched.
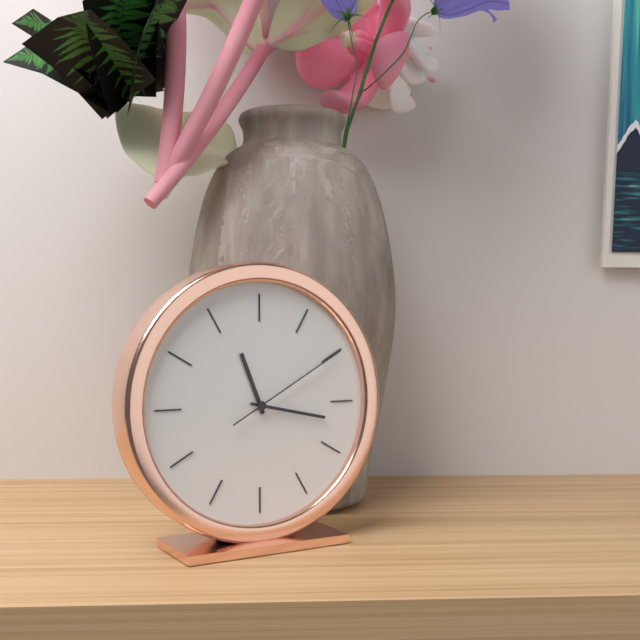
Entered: 11,17,10
